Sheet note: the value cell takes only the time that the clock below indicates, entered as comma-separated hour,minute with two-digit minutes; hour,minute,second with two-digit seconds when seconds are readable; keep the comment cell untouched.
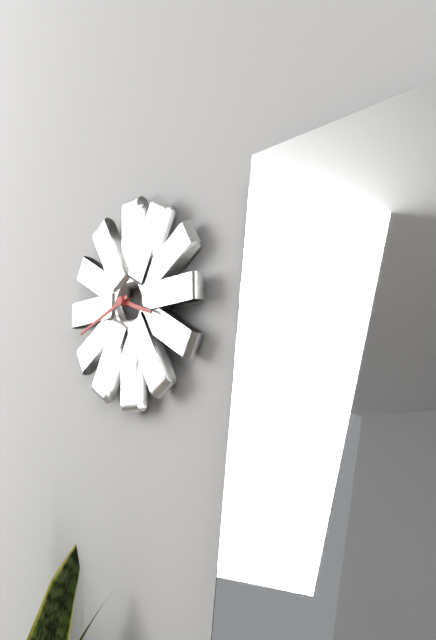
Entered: 3,42
